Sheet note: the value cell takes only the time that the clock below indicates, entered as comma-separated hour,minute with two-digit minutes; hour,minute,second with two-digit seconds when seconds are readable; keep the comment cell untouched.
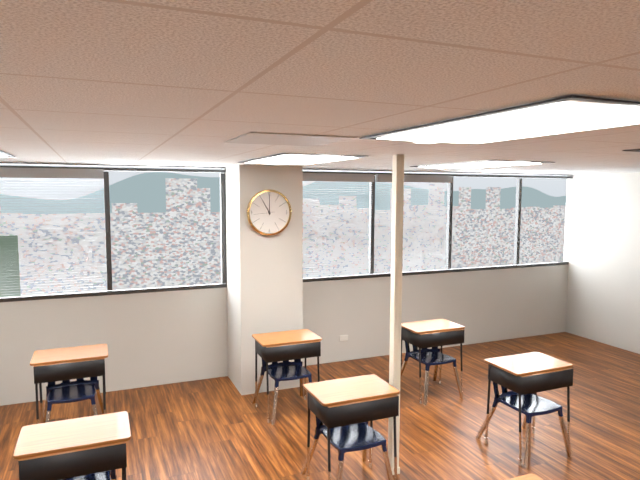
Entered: 11,00
